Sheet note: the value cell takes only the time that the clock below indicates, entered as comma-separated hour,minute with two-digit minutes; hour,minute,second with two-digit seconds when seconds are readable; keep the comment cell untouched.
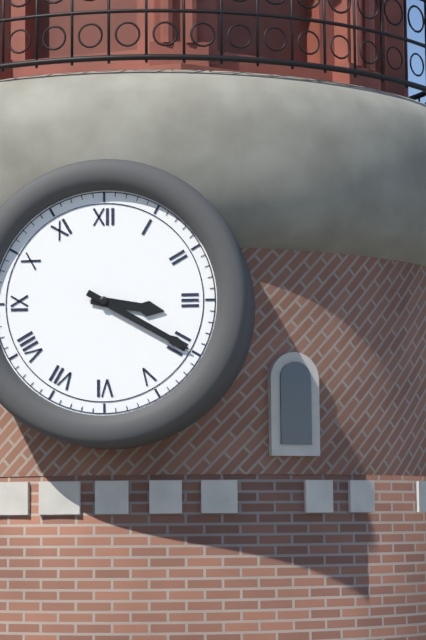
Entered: 3,20
